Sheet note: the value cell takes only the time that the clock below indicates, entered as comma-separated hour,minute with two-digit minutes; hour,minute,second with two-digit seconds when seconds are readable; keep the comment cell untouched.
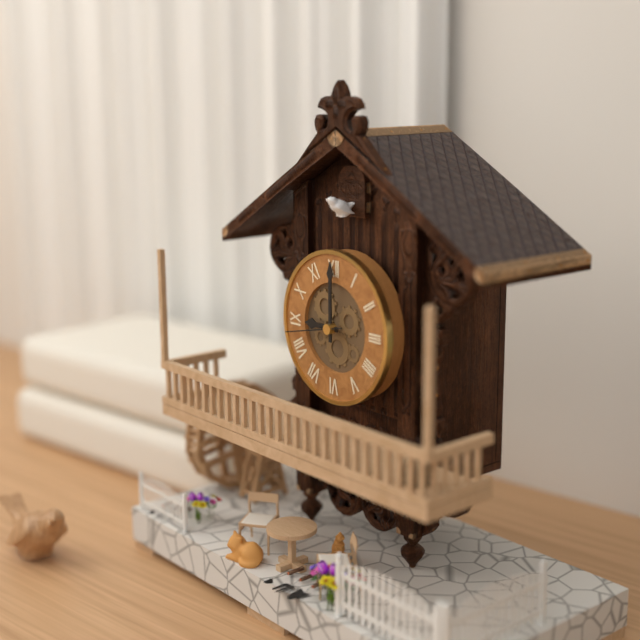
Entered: 9,00,43
